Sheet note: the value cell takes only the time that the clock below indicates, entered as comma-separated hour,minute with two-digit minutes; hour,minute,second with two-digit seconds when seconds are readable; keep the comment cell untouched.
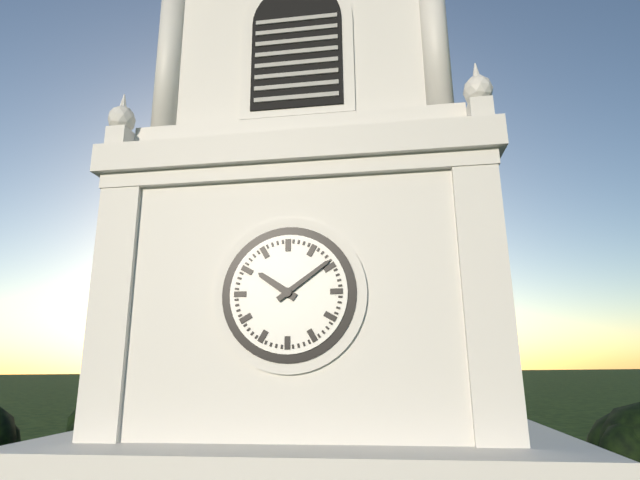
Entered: 10,09
